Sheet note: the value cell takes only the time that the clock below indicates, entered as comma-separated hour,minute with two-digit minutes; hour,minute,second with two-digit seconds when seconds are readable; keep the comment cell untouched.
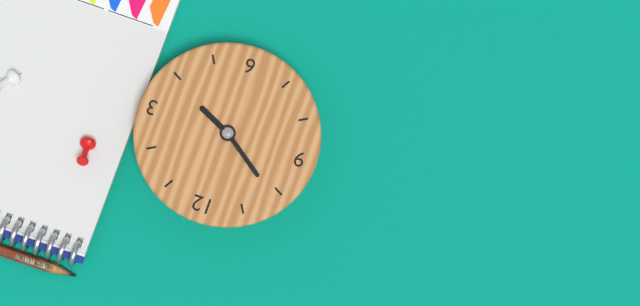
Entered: 3,51
